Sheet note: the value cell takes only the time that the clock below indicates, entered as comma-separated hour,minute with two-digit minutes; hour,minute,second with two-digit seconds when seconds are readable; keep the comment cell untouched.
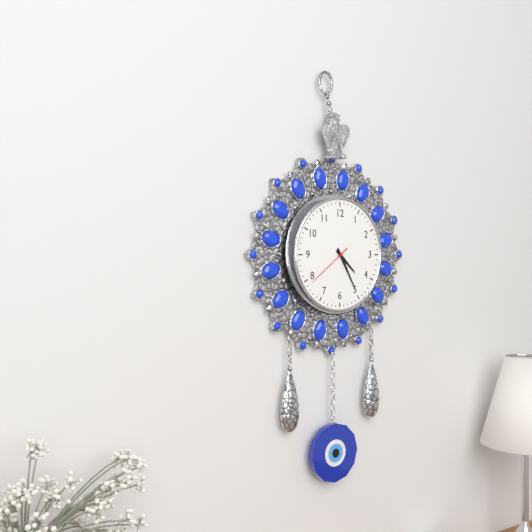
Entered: 4,25
